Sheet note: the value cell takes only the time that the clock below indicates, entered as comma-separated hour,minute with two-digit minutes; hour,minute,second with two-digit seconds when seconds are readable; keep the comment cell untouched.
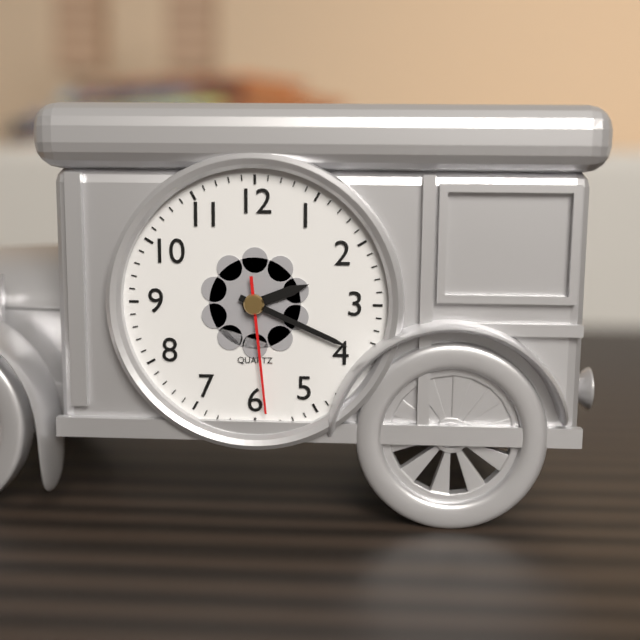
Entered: 2,19,29
